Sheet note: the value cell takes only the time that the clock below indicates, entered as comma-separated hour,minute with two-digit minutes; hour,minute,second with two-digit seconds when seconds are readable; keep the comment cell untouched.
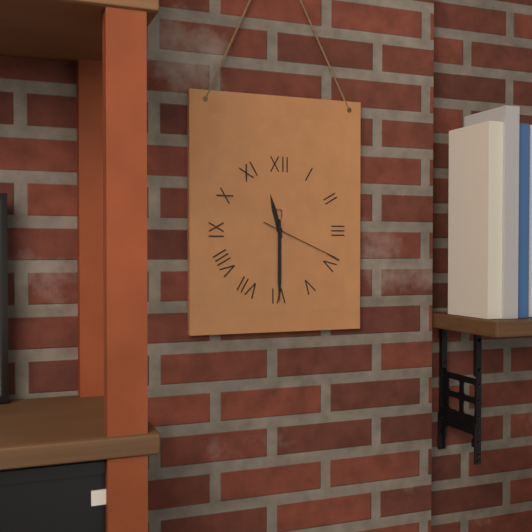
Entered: 11,30,19
